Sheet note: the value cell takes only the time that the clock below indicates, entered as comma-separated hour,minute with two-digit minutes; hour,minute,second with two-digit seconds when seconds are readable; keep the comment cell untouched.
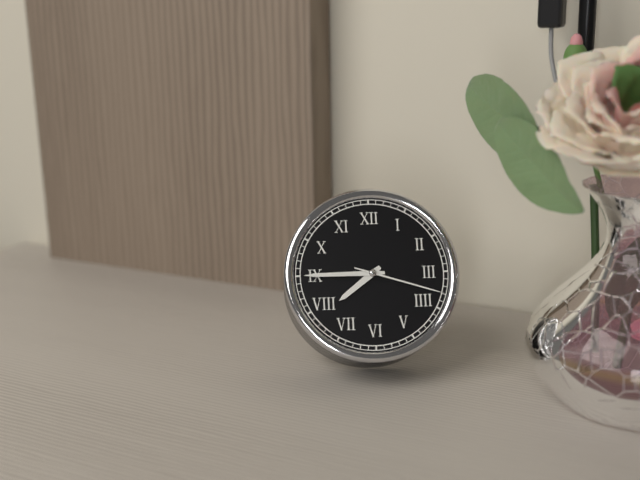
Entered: 7,45,18
